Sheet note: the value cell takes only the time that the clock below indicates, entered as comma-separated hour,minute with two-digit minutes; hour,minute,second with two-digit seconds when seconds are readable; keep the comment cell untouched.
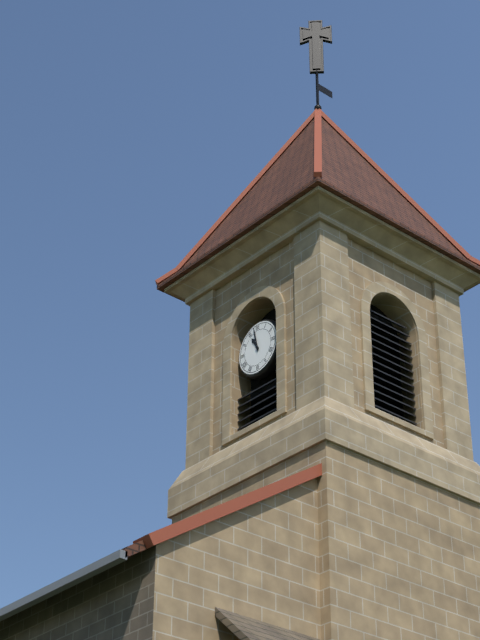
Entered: 10,58
